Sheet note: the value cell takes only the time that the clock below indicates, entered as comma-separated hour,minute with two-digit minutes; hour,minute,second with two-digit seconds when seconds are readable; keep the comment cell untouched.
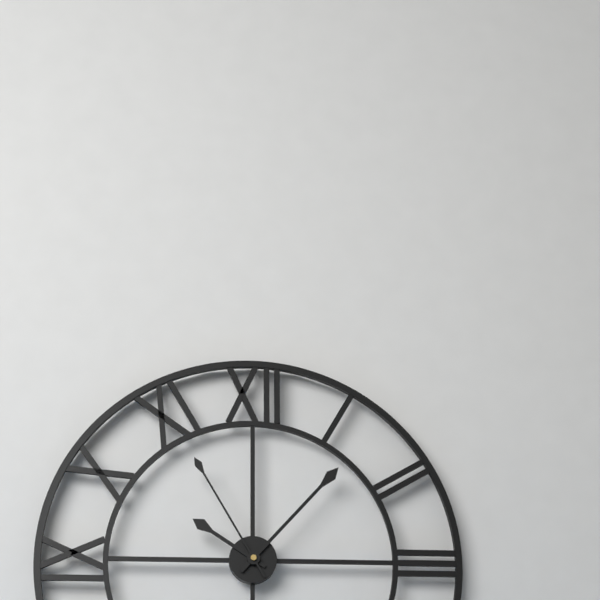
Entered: 10,07,55
